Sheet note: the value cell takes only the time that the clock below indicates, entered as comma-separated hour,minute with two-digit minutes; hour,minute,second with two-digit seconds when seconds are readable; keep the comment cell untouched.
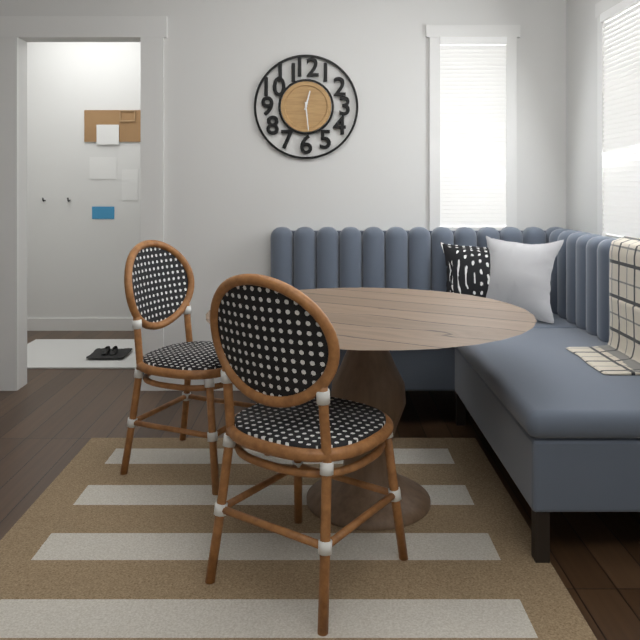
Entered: 12,29
